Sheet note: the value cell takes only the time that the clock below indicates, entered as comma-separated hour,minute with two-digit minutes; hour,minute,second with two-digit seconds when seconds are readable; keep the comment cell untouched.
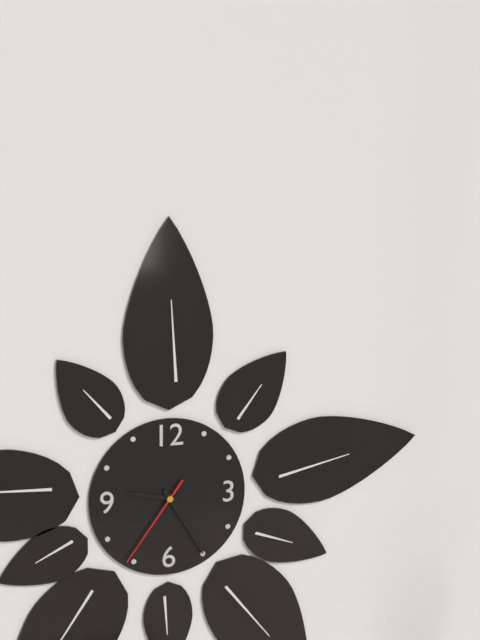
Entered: 9,25,36
